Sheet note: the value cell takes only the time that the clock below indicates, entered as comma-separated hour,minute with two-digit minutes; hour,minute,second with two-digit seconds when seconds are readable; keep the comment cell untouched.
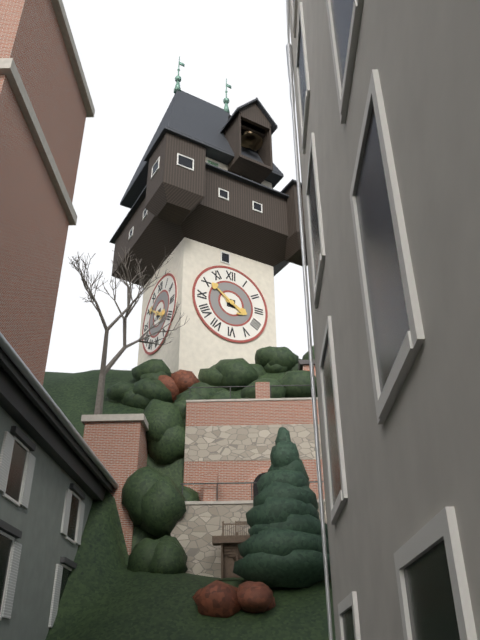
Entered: 3,51
